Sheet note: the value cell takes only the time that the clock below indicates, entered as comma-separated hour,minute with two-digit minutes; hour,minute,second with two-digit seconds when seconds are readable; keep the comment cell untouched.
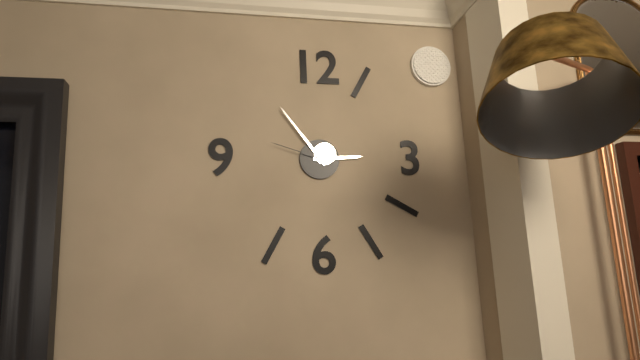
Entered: 2,54,48
